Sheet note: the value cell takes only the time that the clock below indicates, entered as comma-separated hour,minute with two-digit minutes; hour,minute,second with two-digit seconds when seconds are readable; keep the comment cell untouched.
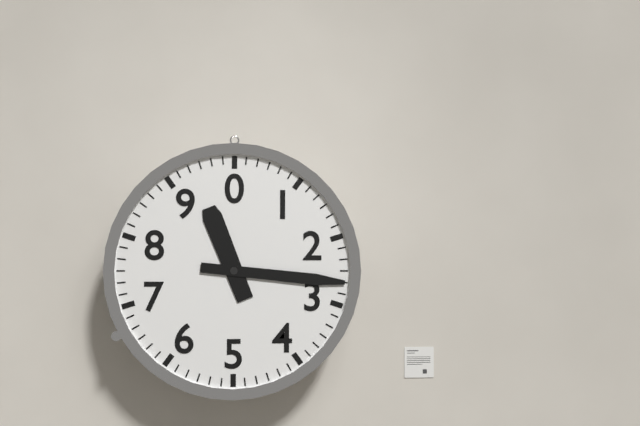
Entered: 11,16
